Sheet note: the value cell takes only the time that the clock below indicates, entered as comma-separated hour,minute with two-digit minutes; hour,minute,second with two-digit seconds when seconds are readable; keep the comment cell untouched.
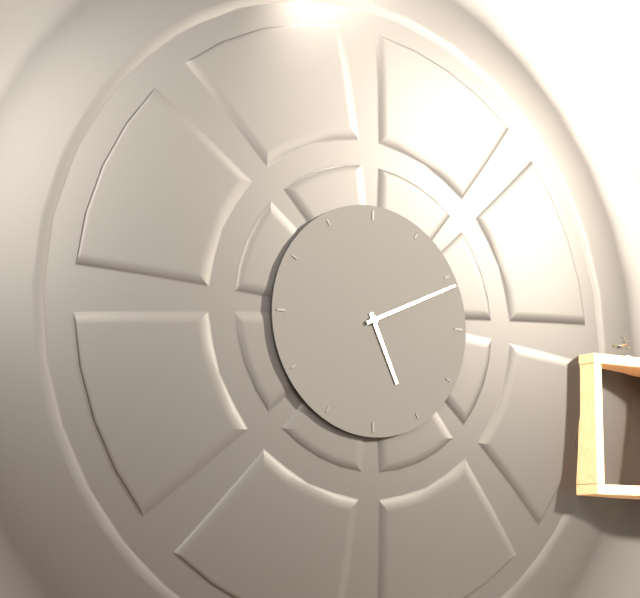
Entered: 5,11
